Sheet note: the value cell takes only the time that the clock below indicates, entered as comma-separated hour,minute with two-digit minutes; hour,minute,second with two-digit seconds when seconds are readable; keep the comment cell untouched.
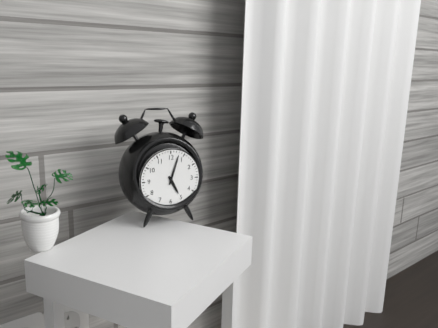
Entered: 5,03
